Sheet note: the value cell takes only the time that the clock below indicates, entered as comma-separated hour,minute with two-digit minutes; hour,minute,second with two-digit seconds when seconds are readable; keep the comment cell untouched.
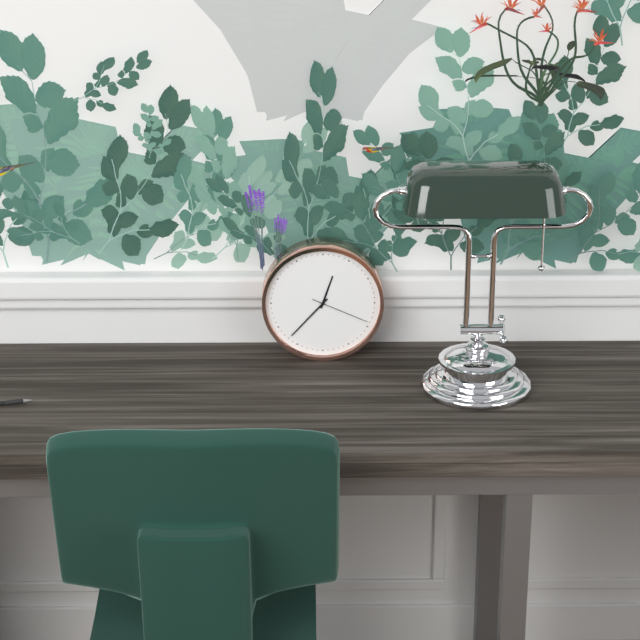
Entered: 12,37,19
